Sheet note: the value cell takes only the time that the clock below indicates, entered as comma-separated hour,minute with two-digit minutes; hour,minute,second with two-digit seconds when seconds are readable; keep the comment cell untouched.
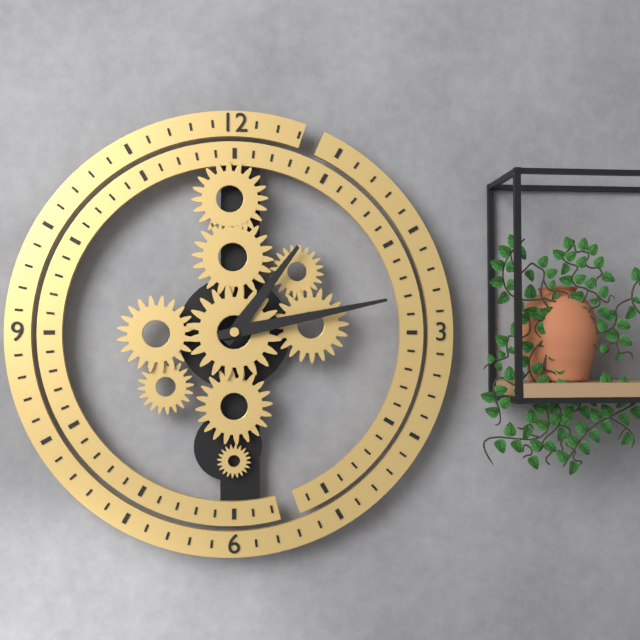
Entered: 1,13
